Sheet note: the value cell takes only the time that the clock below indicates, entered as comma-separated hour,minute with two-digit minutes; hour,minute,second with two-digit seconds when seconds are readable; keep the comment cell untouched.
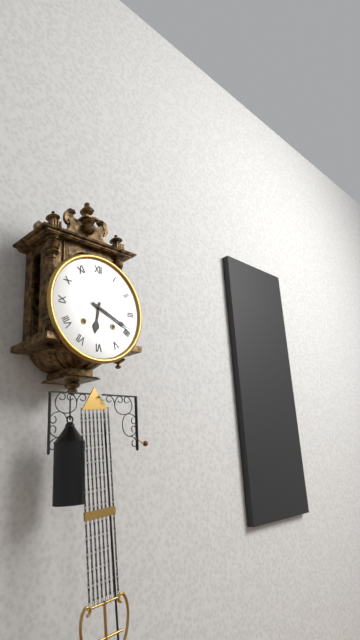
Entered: 6,19
